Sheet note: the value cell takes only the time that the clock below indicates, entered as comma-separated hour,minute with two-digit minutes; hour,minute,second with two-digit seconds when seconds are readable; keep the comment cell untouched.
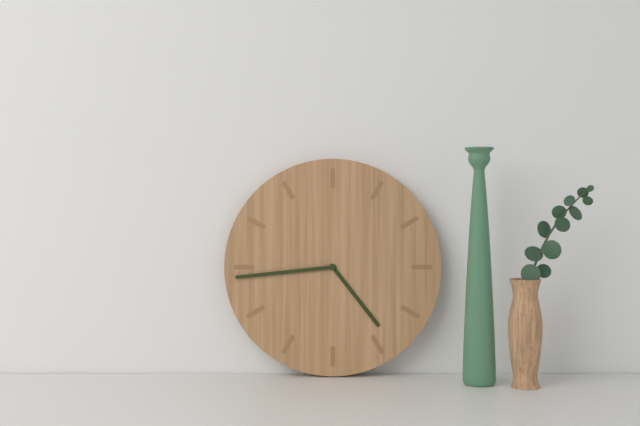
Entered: 4,44
